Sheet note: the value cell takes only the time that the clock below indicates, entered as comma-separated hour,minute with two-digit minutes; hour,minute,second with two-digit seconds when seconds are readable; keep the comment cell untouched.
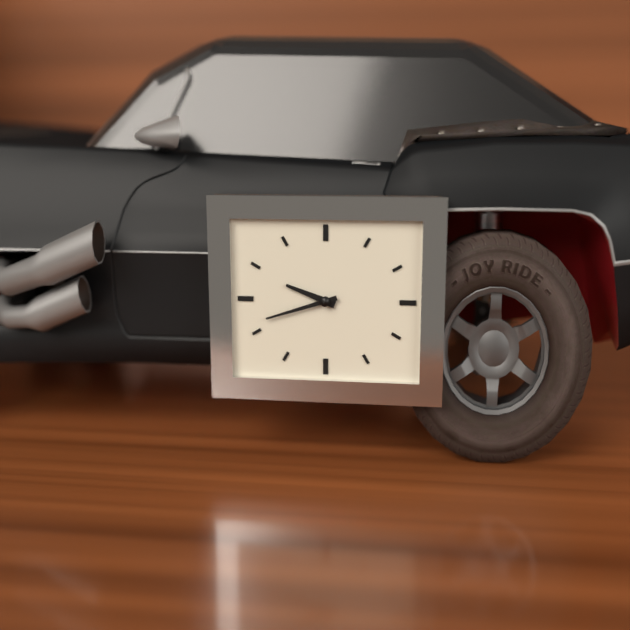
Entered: 9,42
